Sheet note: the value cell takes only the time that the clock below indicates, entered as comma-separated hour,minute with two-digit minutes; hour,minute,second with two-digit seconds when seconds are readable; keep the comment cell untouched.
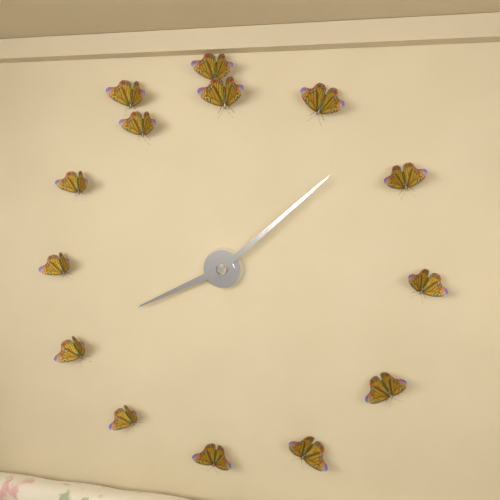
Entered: 8,08
